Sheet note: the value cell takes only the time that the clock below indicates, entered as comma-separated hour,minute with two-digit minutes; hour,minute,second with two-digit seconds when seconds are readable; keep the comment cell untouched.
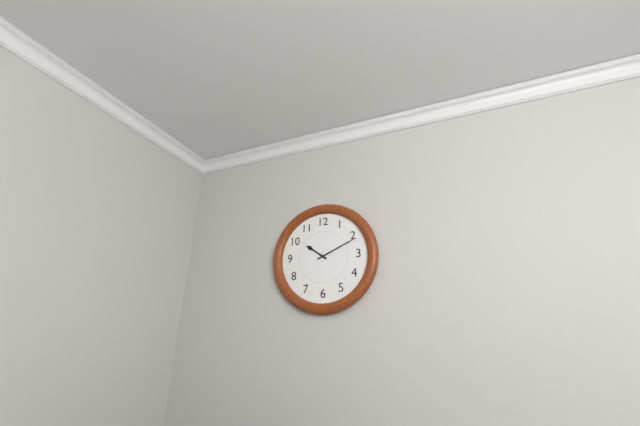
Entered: 10,11
